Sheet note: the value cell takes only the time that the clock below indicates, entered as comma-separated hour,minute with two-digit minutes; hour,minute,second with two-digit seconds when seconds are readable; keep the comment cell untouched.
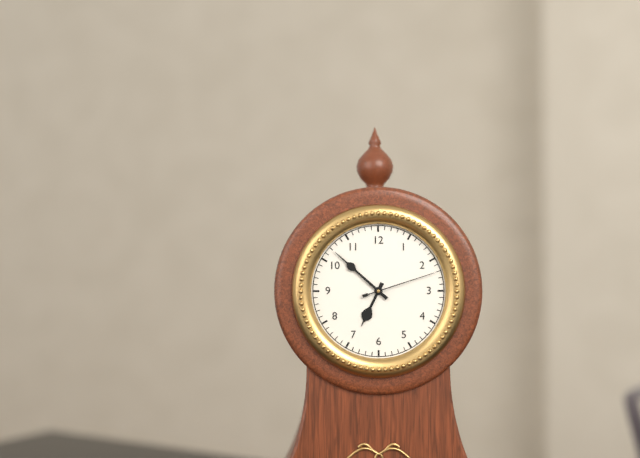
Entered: 6,52,12
